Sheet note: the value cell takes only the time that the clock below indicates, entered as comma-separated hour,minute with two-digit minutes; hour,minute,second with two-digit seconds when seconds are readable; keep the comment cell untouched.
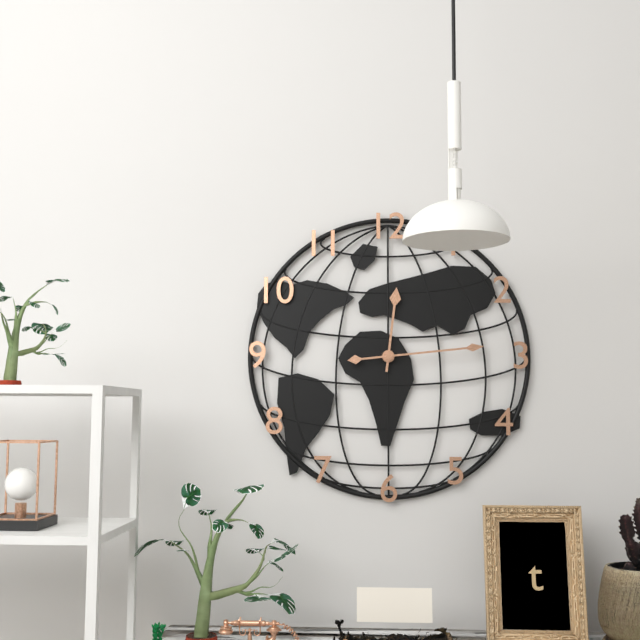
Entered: 12,14
